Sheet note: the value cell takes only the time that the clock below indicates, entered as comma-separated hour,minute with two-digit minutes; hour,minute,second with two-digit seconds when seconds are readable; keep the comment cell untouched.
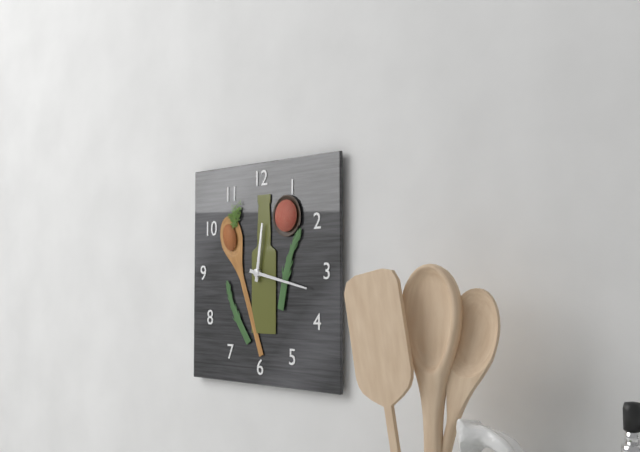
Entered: 12,17
